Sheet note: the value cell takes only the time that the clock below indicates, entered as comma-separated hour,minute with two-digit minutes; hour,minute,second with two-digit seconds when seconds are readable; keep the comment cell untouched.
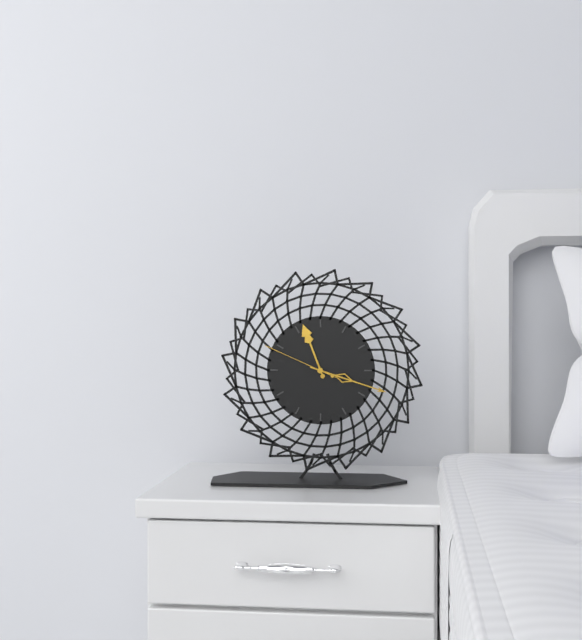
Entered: 11,18,49
